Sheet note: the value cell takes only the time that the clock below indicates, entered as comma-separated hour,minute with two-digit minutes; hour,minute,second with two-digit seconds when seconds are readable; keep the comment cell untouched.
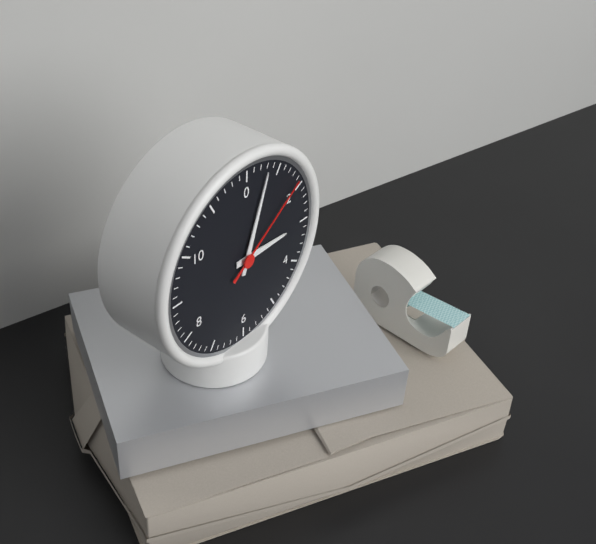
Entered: 3,03,09
